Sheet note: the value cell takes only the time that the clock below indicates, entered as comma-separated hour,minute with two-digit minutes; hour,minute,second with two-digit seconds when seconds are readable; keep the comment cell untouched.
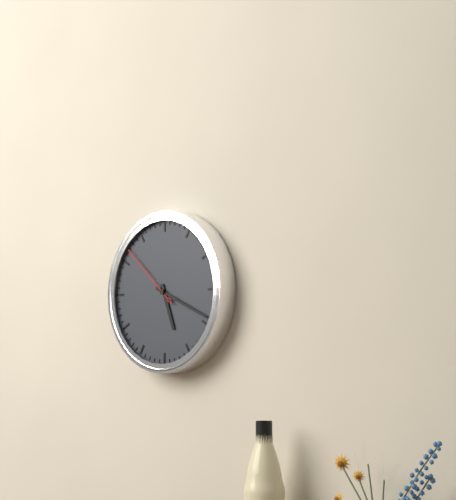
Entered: 5,19,52
